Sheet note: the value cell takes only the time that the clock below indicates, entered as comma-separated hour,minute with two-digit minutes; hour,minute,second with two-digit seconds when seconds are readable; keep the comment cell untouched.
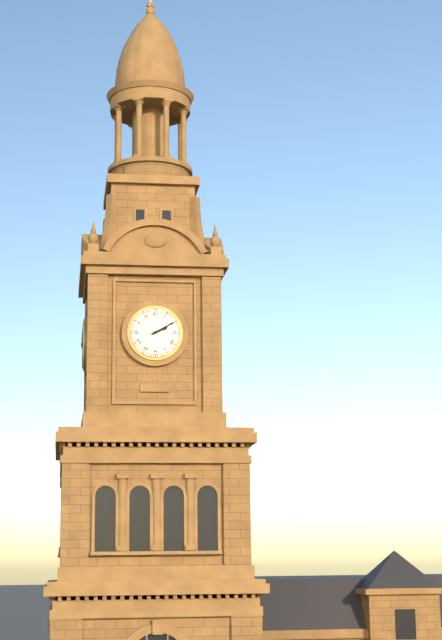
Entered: 2,10
